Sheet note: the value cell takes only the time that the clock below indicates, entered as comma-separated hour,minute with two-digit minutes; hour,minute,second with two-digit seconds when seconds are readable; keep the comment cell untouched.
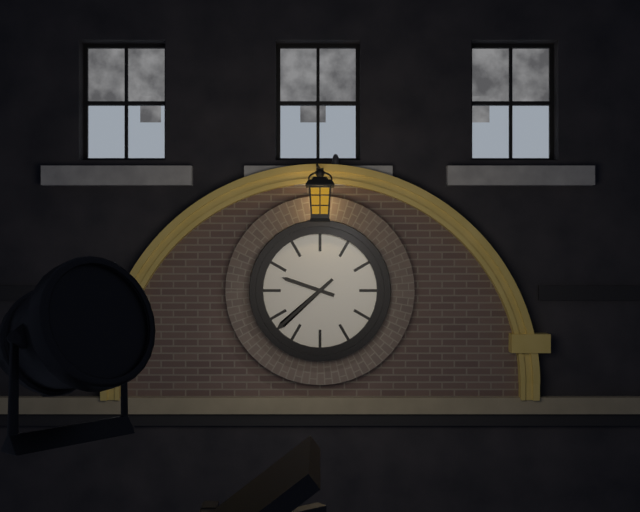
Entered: 9,38
